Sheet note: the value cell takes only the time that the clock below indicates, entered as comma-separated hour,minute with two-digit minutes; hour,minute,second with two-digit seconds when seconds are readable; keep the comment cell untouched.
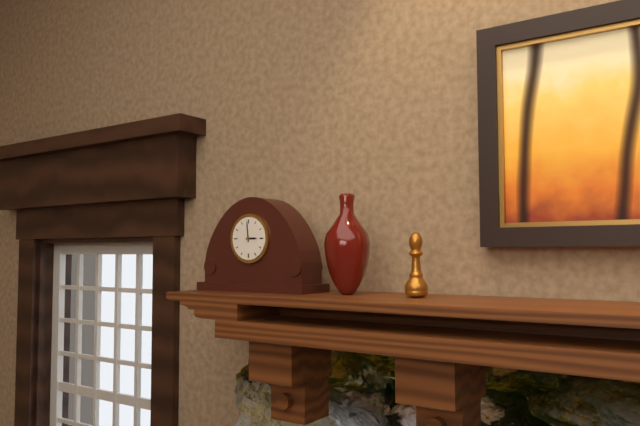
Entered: 2,59
